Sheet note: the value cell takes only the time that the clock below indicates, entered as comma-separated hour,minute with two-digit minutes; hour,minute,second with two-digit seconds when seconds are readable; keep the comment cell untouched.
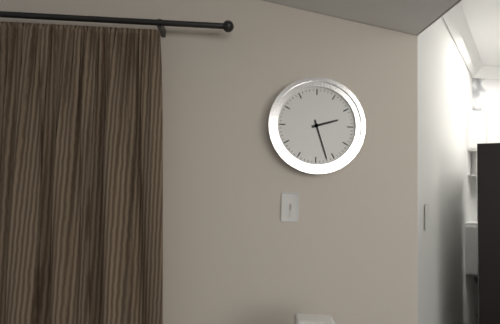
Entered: 2,27
